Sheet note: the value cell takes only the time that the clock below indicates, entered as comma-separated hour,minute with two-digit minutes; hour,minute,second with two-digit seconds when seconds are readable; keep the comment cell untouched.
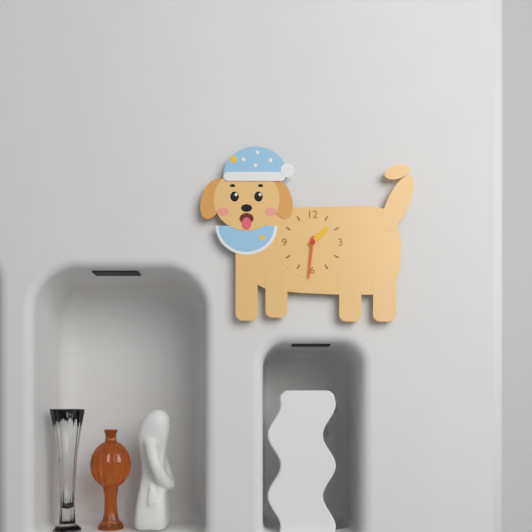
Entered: 1,31
